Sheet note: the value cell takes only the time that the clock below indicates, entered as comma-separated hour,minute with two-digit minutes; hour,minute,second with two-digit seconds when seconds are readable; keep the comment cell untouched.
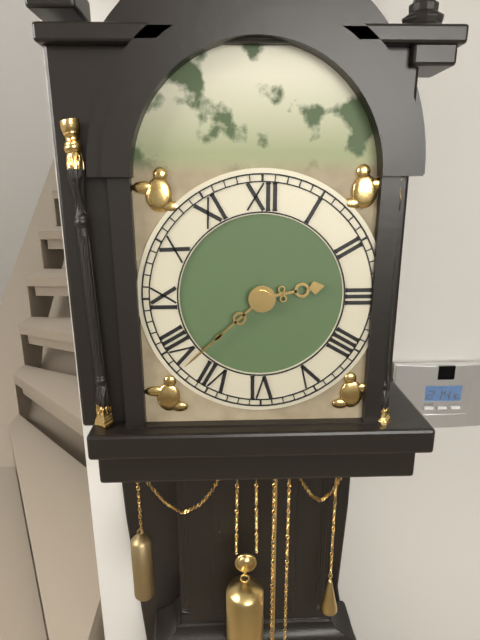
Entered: 2,38
